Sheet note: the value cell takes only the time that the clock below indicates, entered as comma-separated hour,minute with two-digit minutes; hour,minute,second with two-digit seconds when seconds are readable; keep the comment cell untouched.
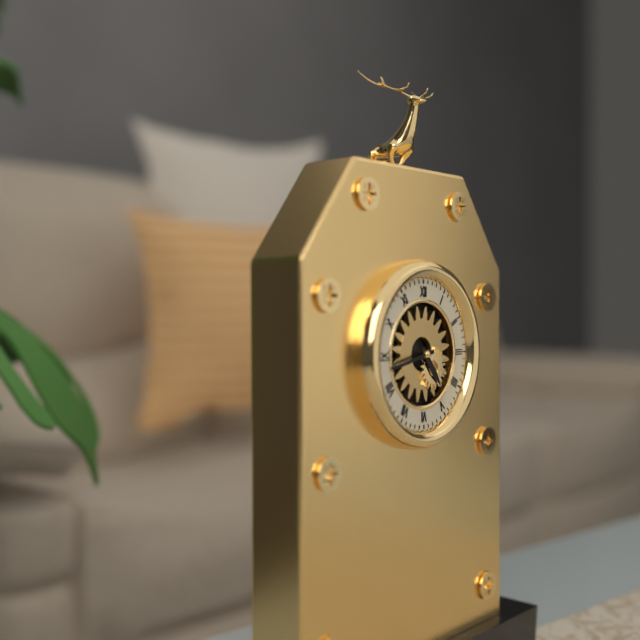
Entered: 4,43
